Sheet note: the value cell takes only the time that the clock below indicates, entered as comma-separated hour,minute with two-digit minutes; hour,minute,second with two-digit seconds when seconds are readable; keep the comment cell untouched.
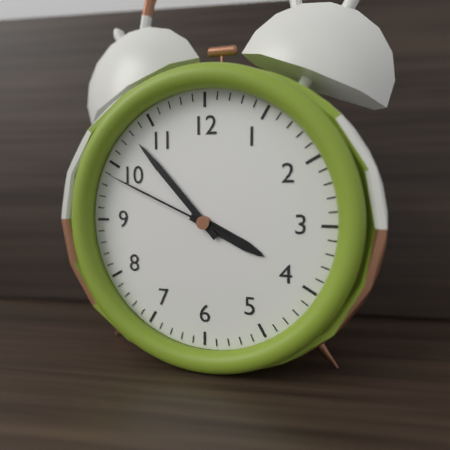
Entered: 3,53,49
